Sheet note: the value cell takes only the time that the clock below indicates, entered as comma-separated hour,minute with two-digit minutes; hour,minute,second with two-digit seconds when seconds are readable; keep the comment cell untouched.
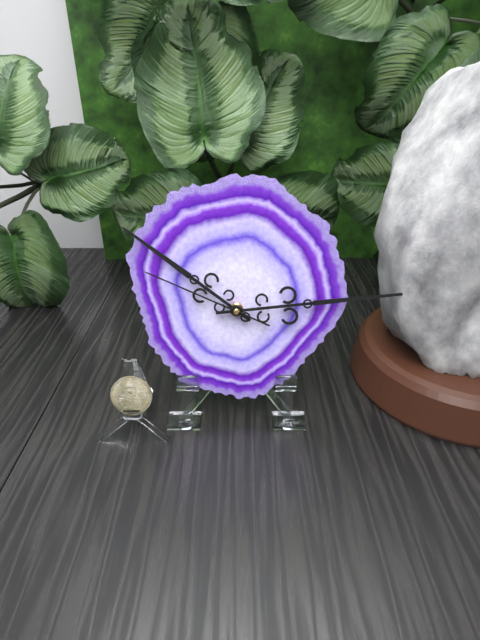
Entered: 10,14,49
